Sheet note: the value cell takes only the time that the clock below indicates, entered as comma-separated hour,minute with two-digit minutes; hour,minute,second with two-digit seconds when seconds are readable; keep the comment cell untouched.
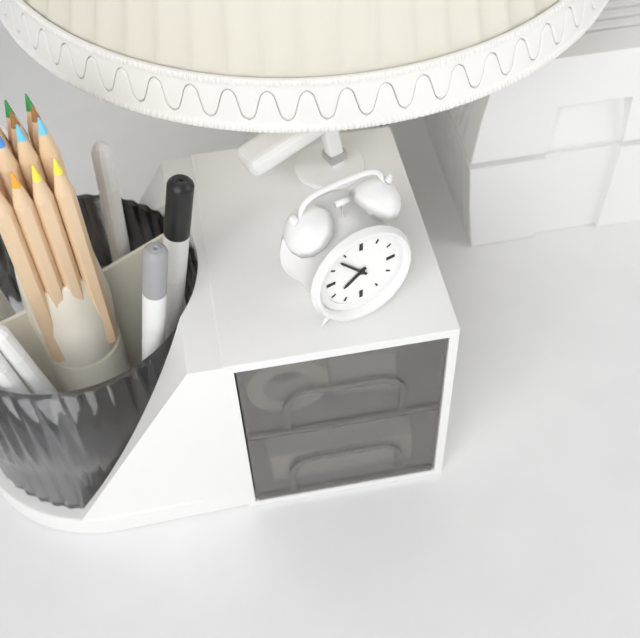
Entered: 7,53
